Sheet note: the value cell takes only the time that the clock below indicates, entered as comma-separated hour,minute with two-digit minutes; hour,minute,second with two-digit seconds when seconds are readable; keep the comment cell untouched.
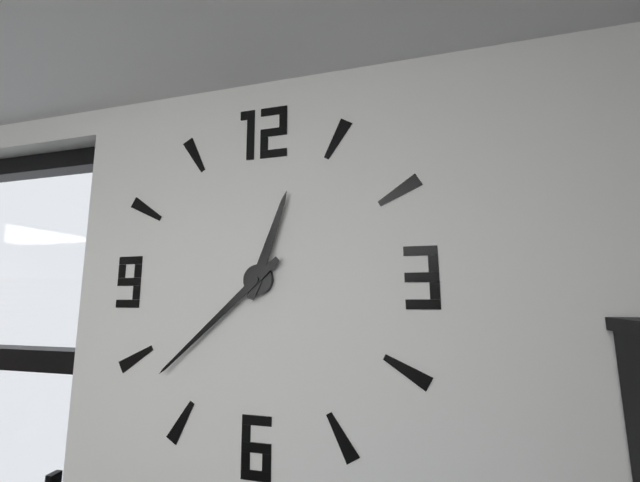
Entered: 12,38
